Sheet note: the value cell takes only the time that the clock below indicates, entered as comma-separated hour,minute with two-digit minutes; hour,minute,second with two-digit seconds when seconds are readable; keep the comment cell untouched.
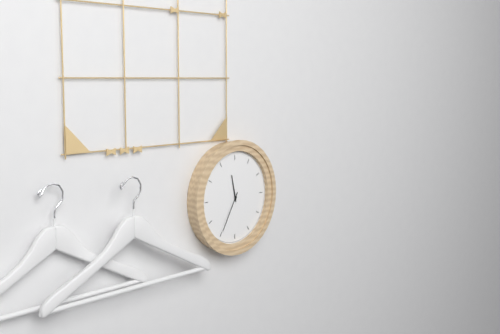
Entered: 11,35
